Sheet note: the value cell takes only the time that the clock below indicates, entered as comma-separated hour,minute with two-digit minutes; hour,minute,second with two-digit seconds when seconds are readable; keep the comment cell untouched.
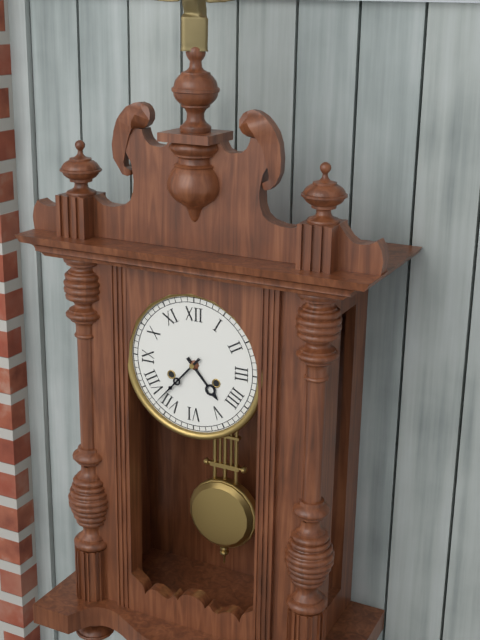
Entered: 4,37
